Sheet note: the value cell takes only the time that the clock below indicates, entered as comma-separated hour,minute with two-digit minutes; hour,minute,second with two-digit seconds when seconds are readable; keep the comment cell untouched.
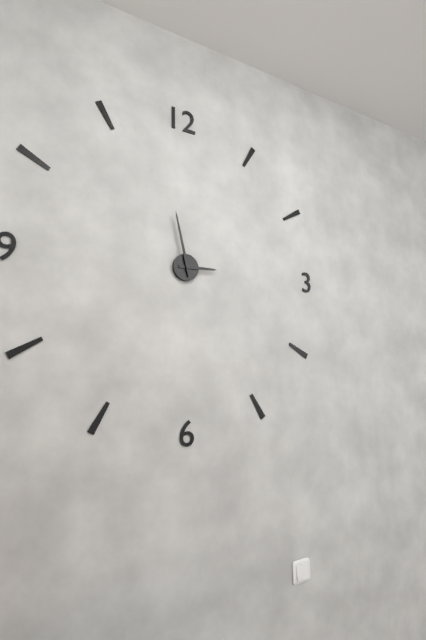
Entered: 2,58
